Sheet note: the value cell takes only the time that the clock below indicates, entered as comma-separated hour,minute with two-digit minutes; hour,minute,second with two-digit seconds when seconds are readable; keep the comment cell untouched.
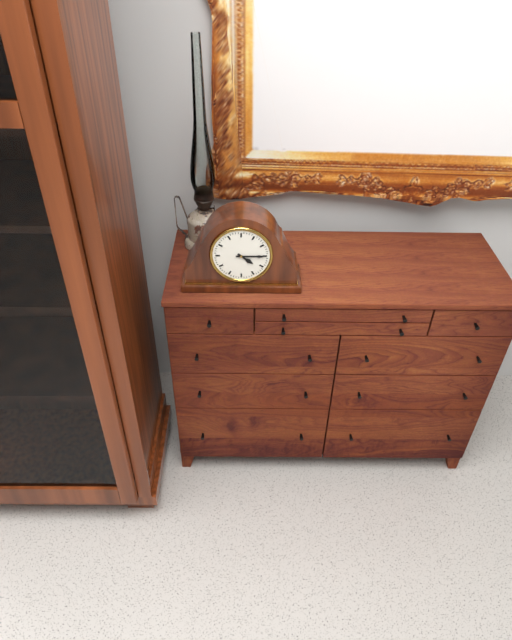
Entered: 4,15
